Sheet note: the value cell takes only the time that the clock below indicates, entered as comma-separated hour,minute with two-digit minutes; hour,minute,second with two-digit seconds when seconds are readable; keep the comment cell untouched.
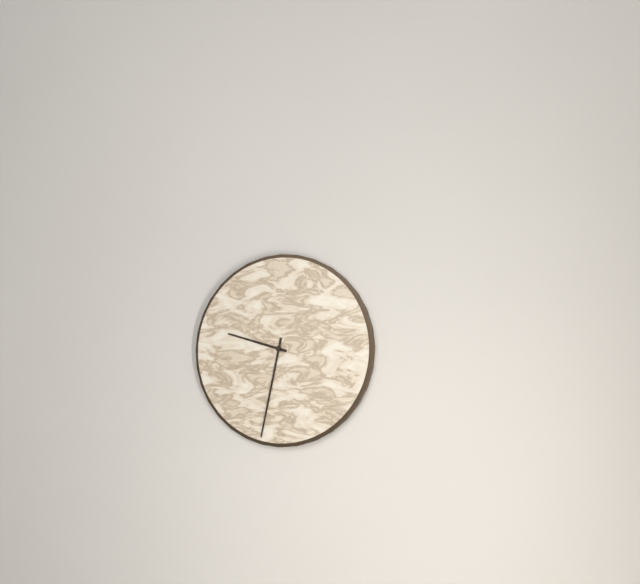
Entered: 9,32
